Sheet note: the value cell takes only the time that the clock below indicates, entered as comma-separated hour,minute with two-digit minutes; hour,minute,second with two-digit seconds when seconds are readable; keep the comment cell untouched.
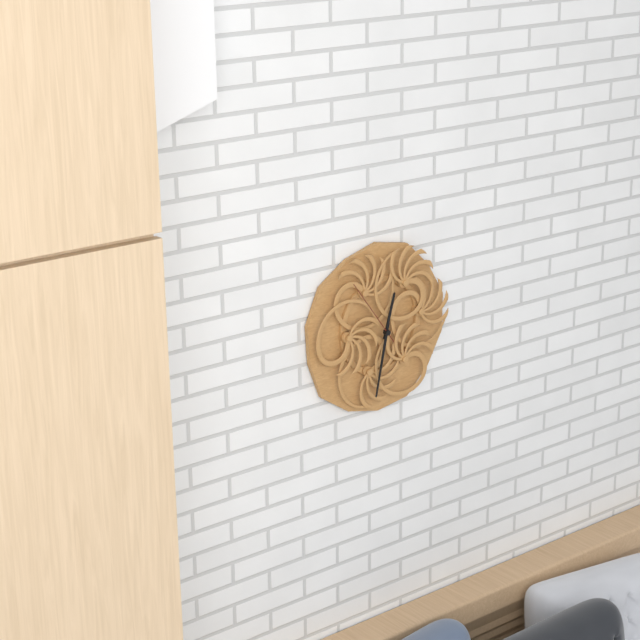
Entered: 12,32,54
